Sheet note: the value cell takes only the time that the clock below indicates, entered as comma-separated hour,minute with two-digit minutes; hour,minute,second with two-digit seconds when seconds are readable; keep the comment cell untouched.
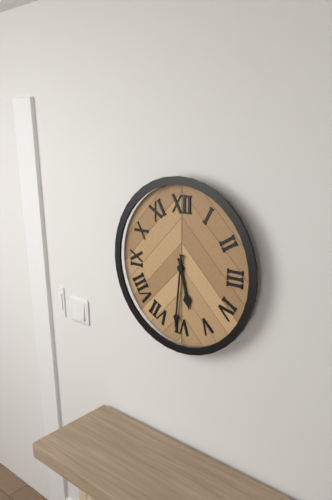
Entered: 5,31
